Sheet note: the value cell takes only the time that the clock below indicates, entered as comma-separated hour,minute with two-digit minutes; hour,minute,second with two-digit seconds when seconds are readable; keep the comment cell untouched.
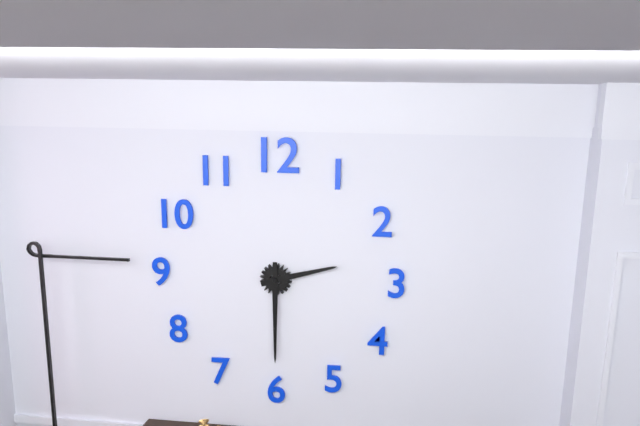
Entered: 2,30
